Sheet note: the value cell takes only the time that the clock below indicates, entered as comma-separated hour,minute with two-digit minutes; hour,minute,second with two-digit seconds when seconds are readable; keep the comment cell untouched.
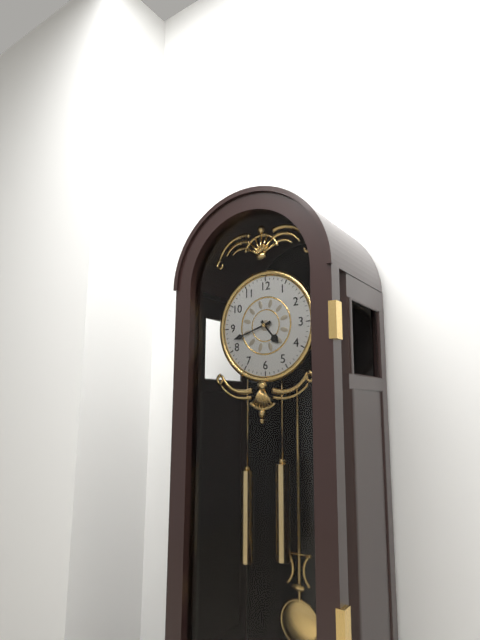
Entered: 4,42
